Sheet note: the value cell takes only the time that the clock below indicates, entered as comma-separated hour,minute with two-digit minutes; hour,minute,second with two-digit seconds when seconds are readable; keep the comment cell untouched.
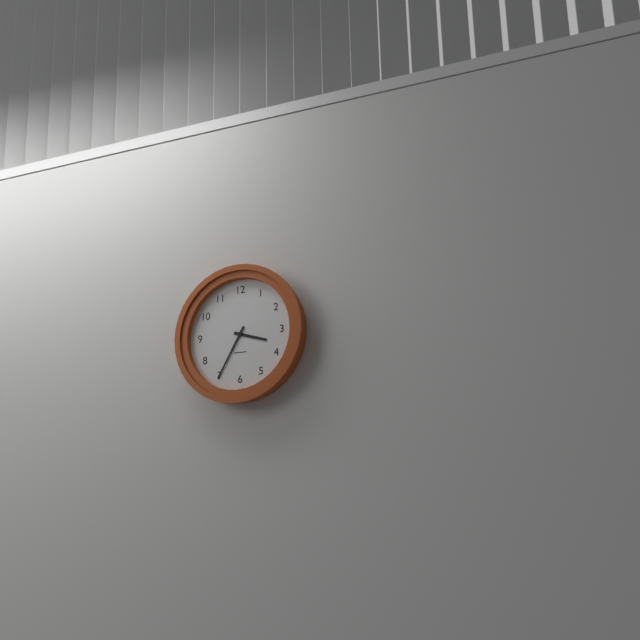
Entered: 3,35
